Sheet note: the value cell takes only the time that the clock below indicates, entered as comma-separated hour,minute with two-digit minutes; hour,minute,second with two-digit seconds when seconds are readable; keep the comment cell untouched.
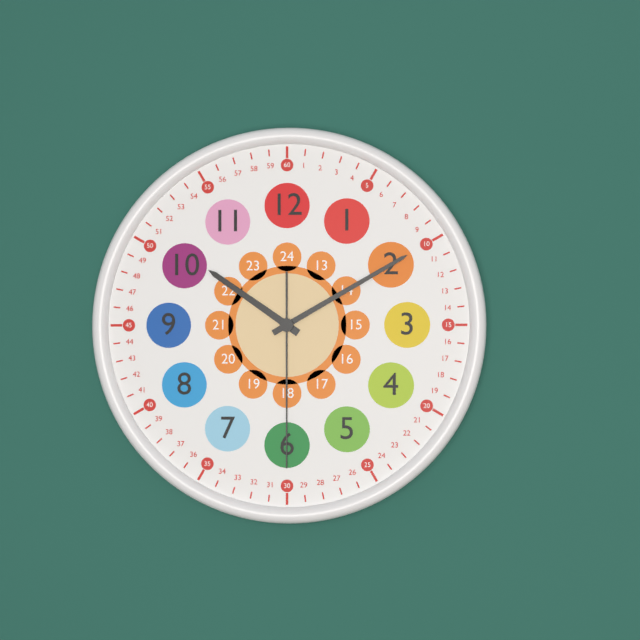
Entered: 10,10,30
